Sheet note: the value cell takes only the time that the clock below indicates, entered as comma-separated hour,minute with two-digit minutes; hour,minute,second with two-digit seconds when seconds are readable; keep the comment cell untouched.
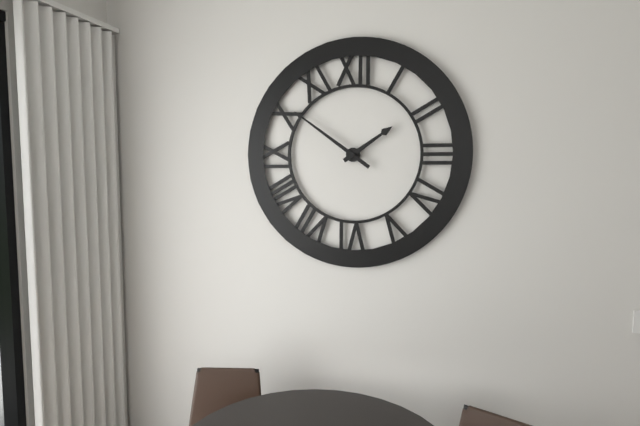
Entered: 1,51
